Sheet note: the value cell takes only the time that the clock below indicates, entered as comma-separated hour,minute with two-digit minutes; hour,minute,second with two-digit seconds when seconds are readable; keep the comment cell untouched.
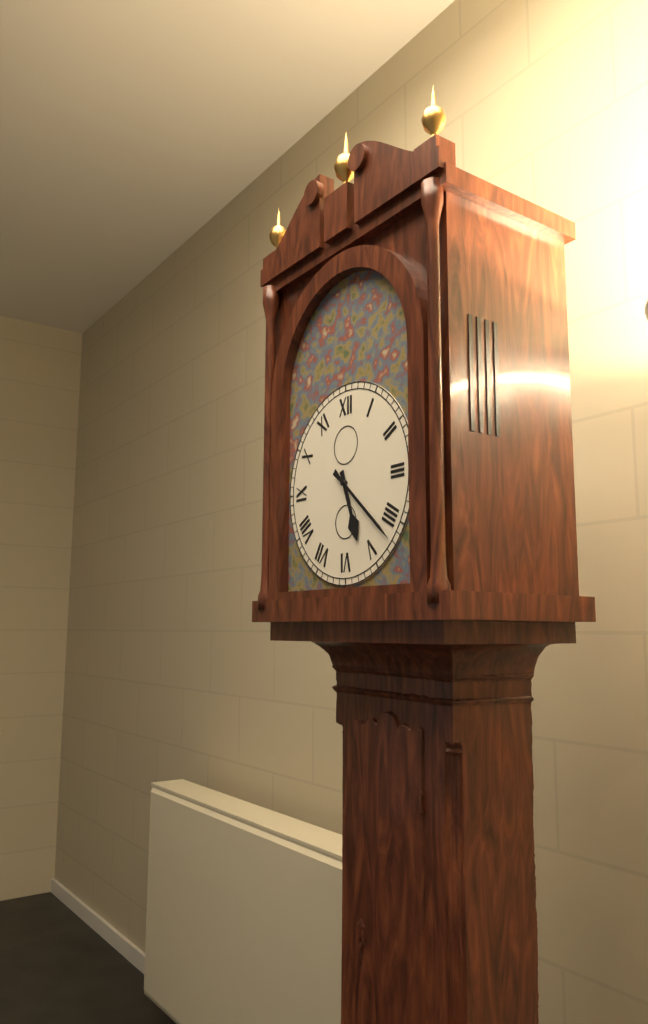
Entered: 5,22
